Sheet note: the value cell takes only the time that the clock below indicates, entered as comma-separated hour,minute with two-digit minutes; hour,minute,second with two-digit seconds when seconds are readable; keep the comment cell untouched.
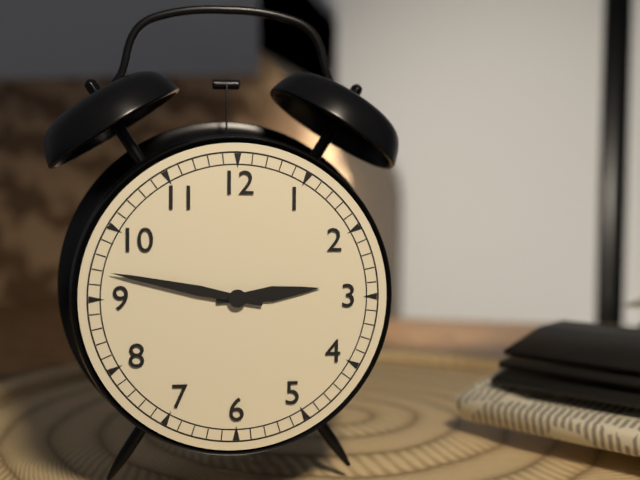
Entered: 2,47
